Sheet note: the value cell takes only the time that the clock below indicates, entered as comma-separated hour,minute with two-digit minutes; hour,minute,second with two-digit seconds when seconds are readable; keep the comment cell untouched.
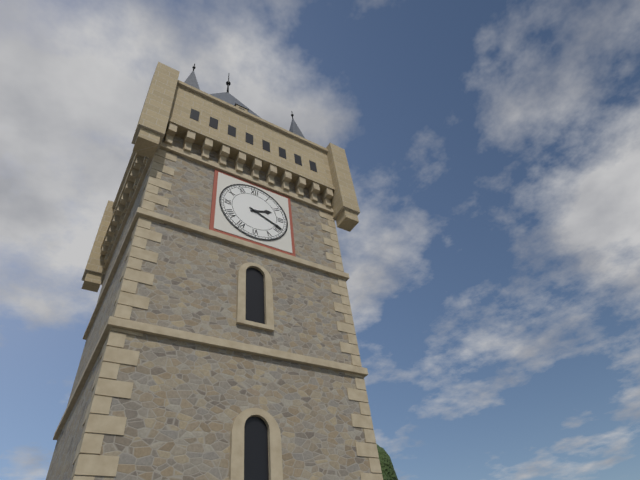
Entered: 2,19
